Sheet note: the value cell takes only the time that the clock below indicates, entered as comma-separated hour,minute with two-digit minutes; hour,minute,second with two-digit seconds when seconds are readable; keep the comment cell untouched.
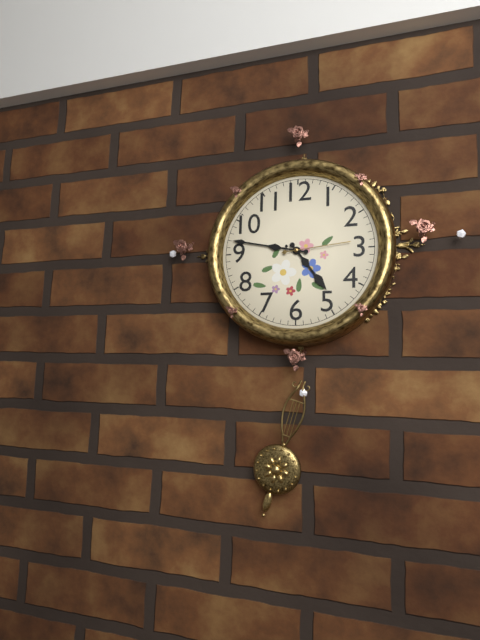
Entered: 4,47,14
